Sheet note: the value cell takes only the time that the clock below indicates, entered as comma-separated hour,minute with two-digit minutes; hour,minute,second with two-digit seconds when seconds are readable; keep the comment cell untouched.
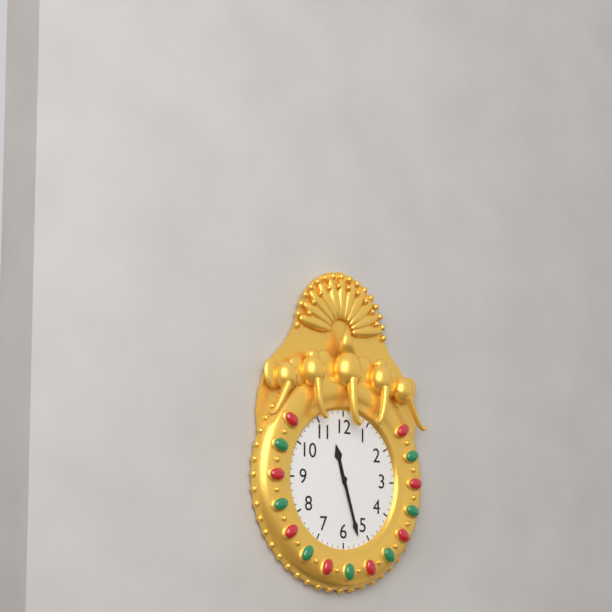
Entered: 11,27
